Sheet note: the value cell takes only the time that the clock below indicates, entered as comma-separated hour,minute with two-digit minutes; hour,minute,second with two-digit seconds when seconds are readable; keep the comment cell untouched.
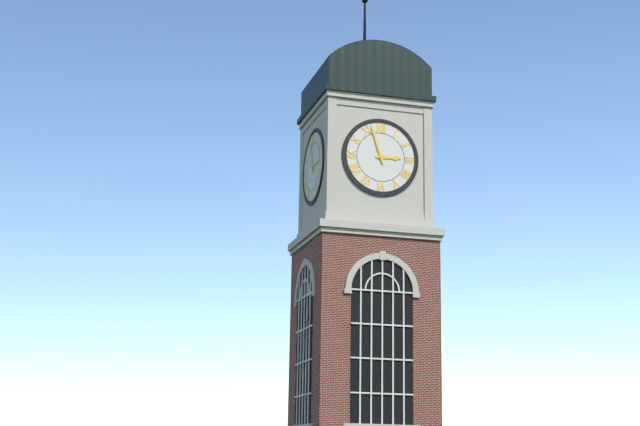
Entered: 2,57
